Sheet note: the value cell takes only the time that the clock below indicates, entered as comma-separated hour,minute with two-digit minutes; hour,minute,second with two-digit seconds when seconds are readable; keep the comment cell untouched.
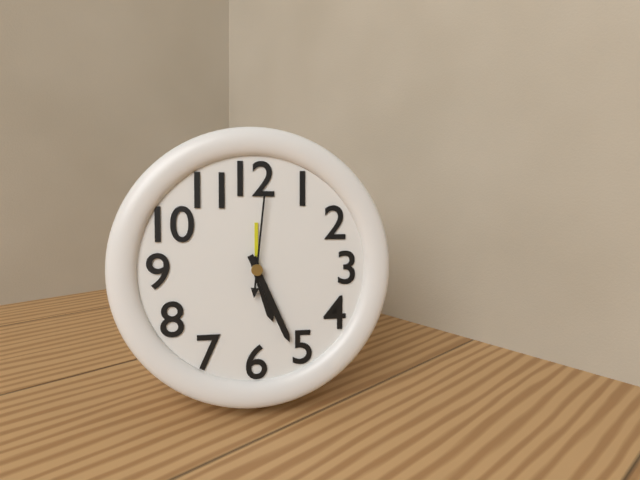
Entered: 5,26,01
